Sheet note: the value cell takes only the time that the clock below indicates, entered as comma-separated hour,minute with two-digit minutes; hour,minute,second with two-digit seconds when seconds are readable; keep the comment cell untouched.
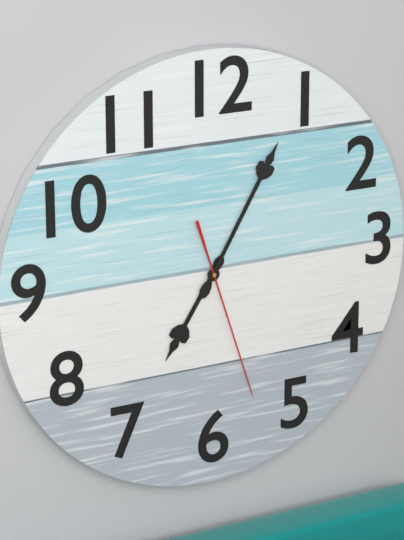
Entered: 7,05,27
